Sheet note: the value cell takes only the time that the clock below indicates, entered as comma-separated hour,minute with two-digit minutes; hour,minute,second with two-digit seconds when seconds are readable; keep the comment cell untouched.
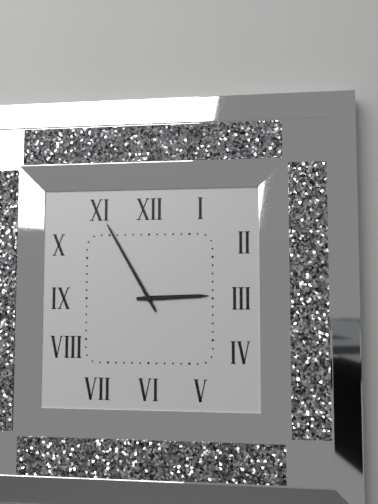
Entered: 2,55
